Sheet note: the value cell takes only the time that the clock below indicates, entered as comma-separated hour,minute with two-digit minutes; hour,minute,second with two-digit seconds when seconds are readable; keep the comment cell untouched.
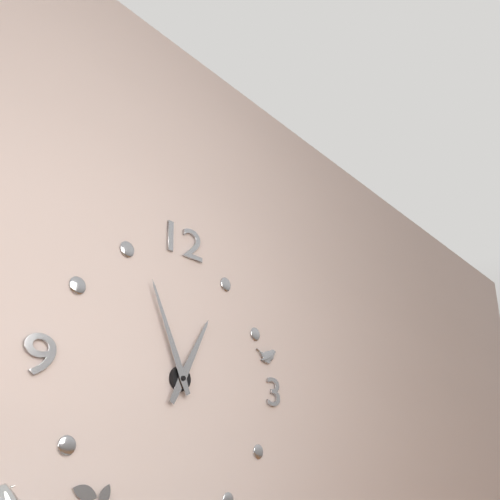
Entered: 12,56
